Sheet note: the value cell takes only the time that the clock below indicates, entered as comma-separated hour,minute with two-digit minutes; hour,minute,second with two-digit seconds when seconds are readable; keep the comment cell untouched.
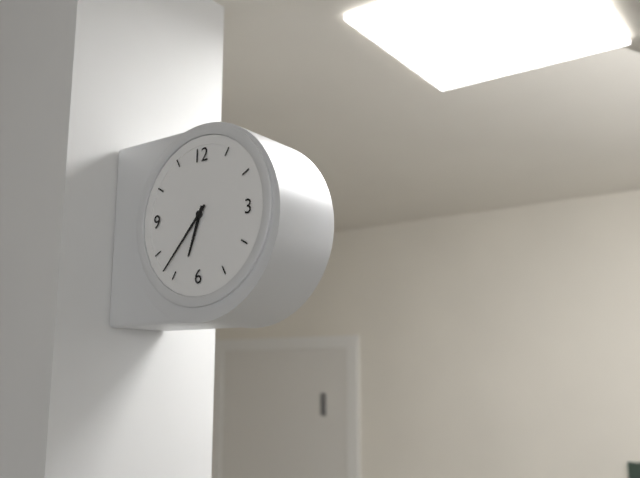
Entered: 6,37
